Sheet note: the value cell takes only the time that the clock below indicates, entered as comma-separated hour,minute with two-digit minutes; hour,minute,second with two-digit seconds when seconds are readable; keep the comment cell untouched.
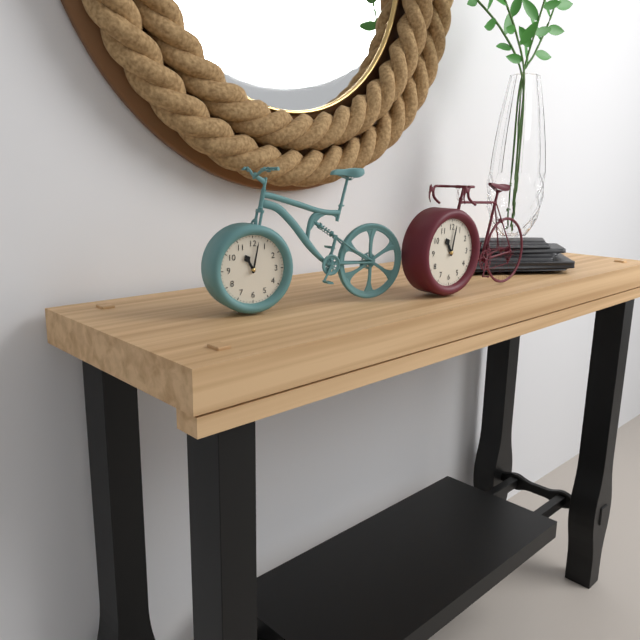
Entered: 11,02
